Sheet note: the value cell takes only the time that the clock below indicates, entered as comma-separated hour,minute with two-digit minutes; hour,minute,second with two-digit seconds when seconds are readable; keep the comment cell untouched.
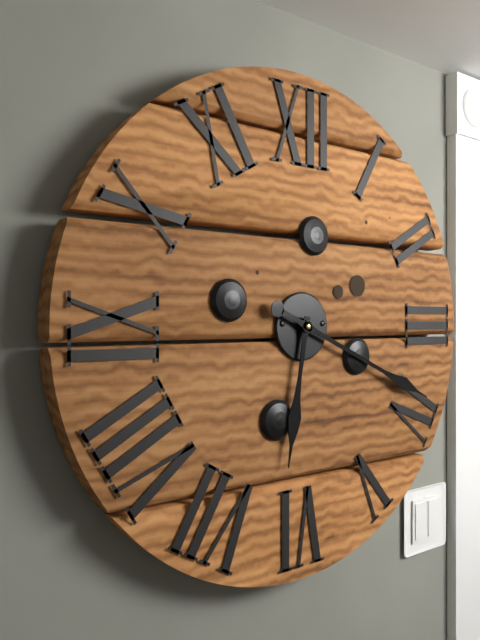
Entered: 6,19
